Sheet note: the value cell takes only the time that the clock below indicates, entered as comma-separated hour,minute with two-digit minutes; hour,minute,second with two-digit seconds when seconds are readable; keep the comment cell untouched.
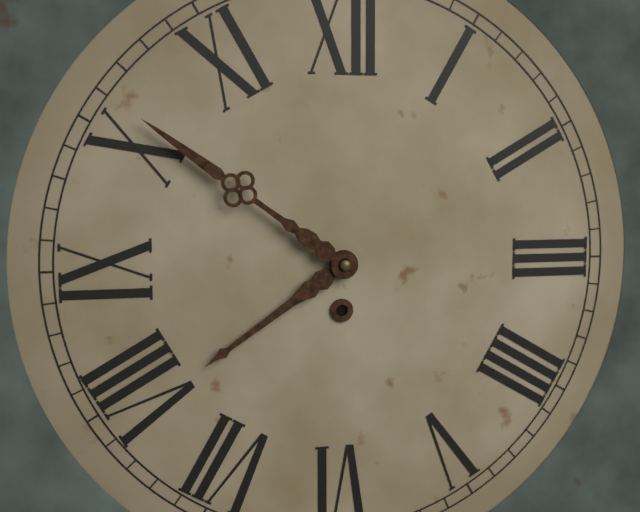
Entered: 7,51
